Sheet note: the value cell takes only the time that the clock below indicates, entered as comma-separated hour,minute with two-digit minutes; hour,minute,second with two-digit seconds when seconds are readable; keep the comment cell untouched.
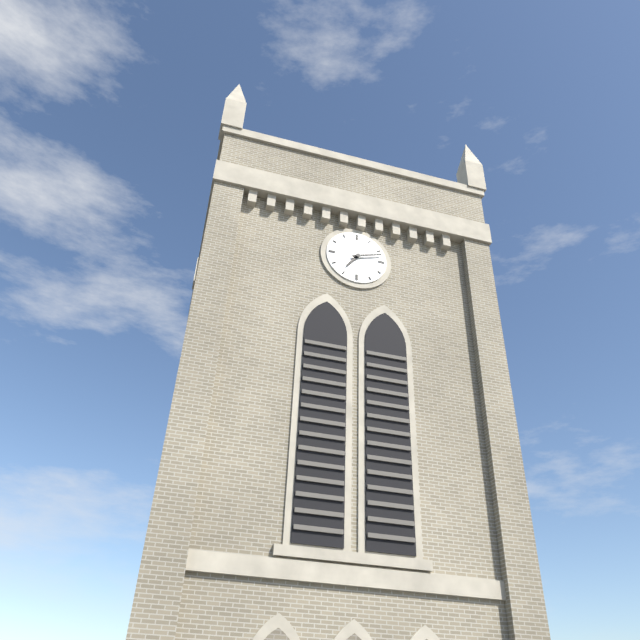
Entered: 7,12
